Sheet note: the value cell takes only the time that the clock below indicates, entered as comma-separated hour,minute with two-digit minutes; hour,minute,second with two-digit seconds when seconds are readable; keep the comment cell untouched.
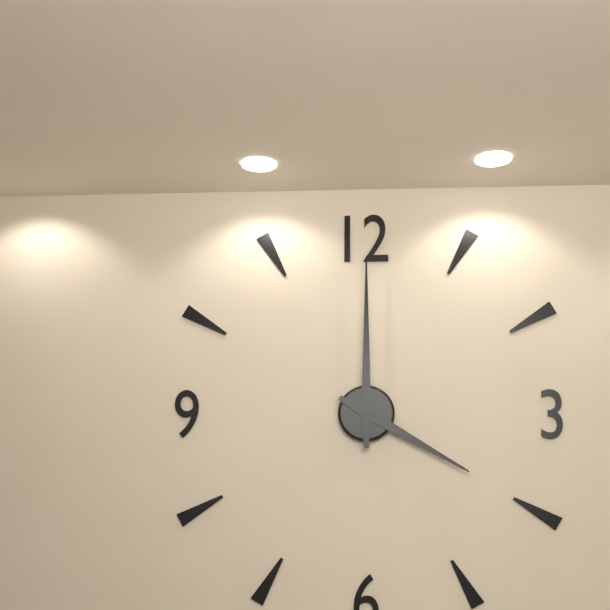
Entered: 4,00
